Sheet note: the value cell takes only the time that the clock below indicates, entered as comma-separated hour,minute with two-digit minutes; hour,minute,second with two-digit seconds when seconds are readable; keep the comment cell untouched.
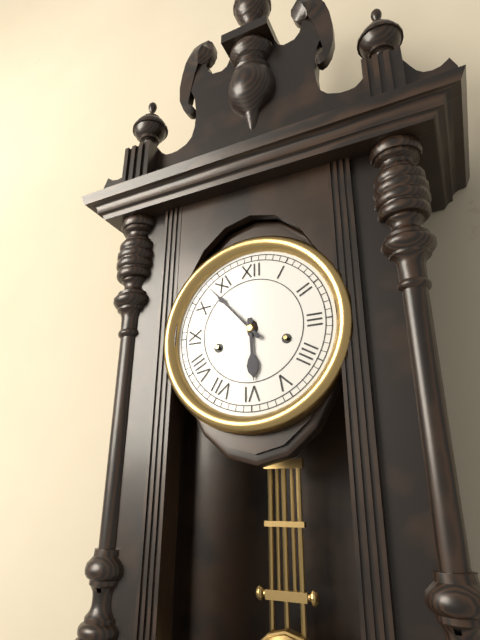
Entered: 5,53
